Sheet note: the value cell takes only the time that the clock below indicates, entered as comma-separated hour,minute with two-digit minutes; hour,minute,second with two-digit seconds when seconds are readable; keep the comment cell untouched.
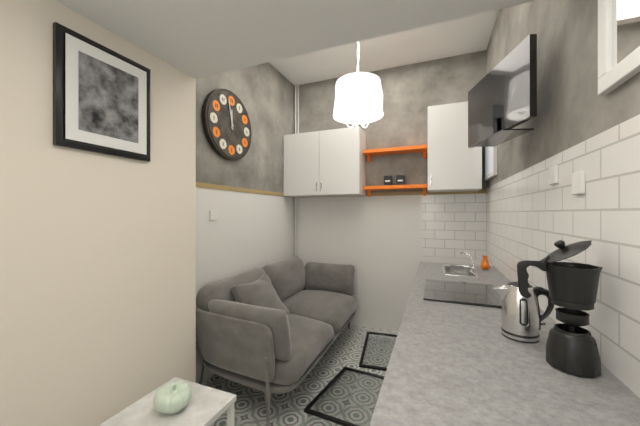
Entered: 11,58
